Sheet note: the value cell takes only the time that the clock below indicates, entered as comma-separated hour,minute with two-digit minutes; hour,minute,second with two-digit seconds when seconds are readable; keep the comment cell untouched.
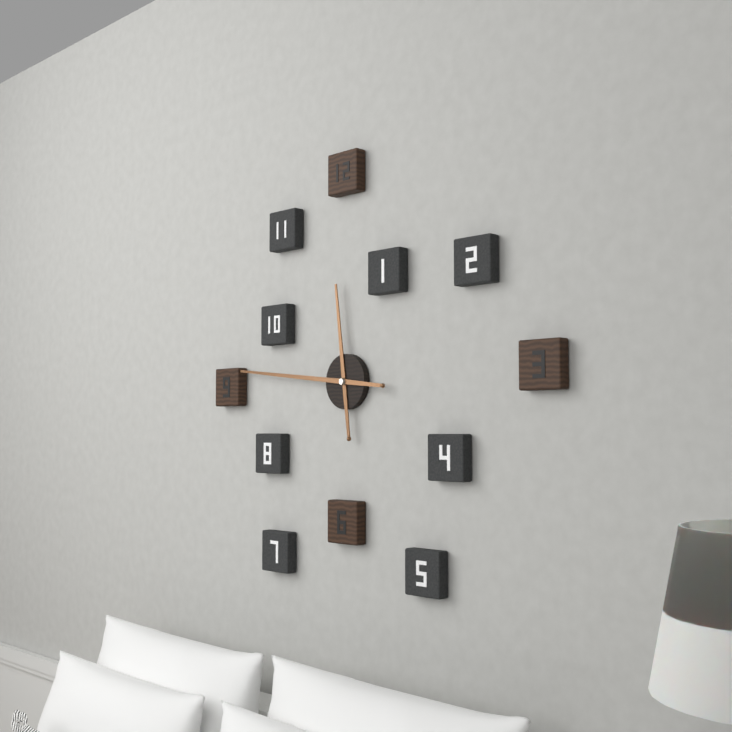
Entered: 11,46
